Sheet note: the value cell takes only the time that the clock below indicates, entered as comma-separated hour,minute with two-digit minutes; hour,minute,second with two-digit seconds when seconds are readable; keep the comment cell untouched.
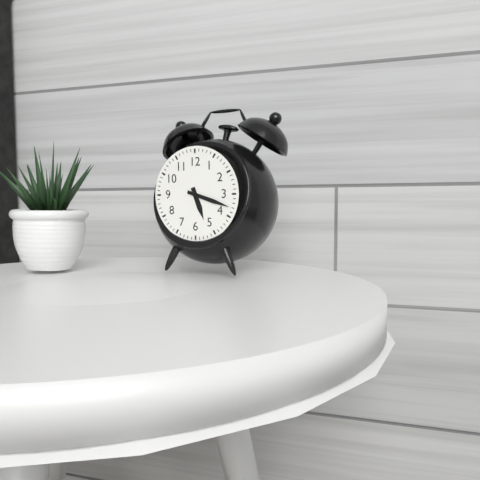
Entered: 5,18
